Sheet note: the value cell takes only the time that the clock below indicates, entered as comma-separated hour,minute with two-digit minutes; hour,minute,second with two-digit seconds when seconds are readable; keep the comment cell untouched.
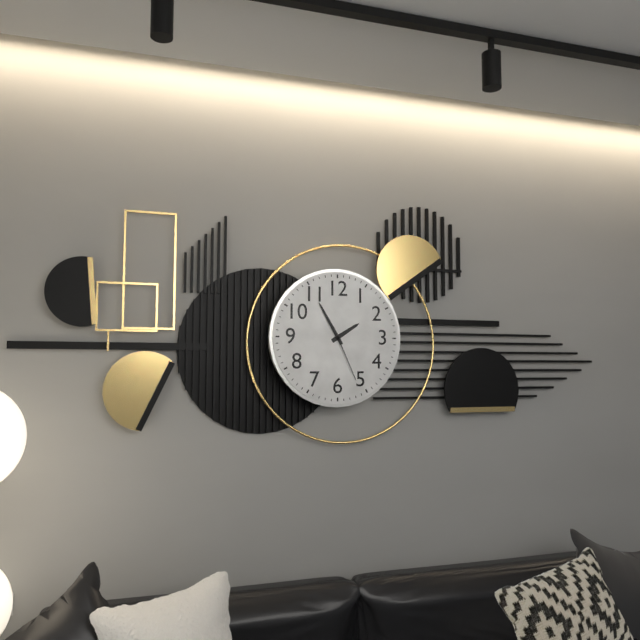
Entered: 1,55,26
